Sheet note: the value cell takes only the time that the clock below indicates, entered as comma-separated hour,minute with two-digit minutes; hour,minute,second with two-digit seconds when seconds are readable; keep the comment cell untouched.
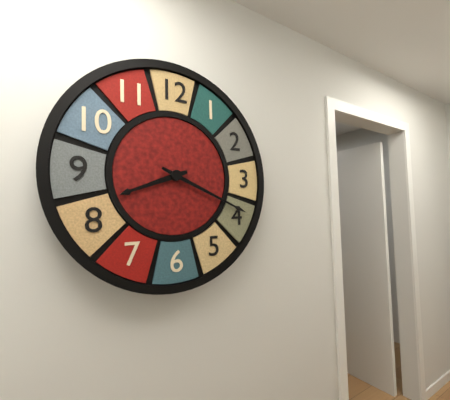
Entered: 8,19
